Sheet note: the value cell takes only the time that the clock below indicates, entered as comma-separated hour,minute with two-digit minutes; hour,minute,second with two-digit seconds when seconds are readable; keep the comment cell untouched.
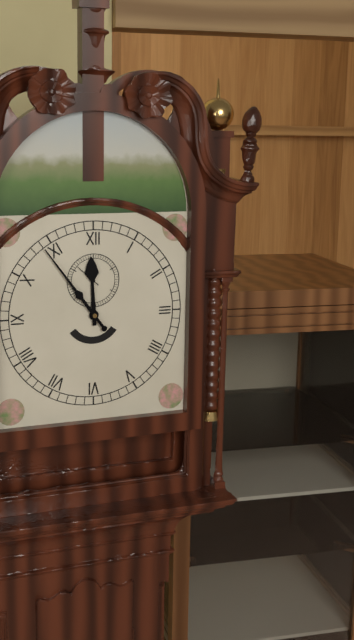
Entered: 11,54
